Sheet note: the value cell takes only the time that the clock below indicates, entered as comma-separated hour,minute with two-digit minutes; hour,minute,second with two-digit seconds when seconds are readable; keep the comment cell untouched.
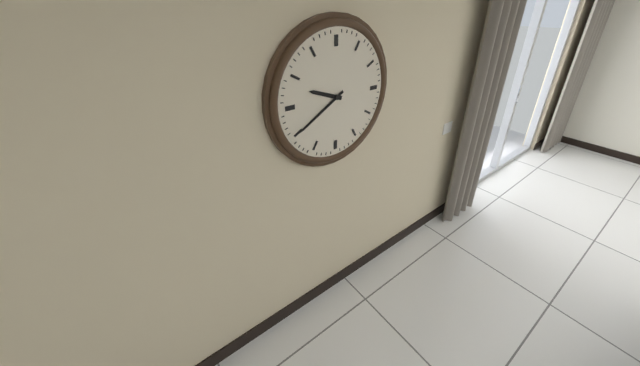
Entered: 9,40
